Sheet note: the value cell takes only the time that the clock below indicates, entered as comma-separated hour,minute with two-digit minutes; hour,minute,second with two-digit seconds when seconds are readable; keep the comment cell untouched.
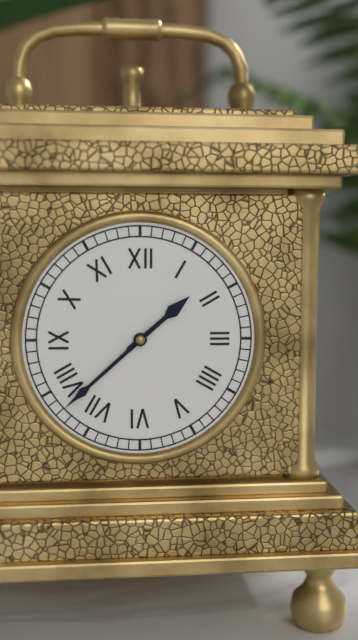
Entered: 1,38
